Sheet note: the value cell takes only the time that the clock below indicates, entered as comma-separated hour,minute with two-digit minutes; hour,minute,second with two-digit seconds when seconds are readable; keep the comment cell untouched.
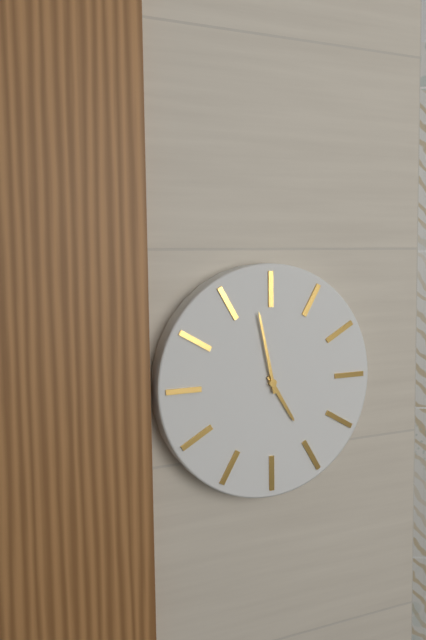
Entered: 4,58
